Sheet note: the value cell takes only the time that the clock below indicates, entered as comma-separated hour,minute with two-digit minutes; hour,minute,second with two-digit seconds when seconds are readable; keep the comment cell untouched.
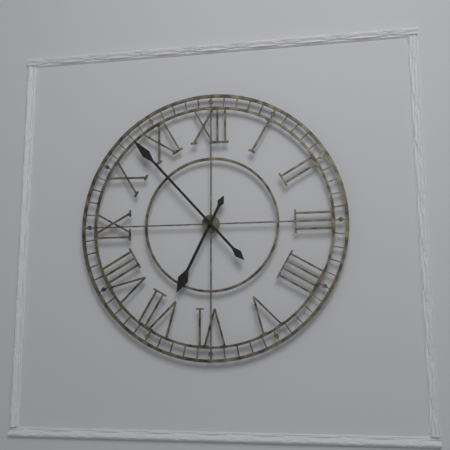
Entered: 6,53
